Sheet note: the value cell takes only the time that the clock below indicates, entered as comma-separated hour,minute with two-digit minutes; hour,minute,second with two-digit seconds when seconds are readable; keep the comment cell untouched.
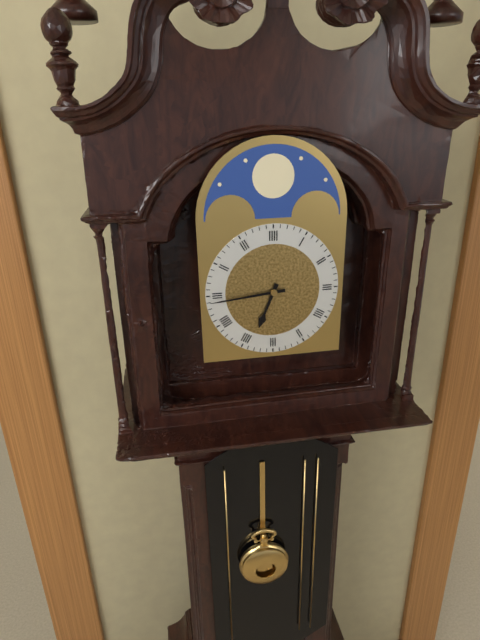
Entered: 6,44
